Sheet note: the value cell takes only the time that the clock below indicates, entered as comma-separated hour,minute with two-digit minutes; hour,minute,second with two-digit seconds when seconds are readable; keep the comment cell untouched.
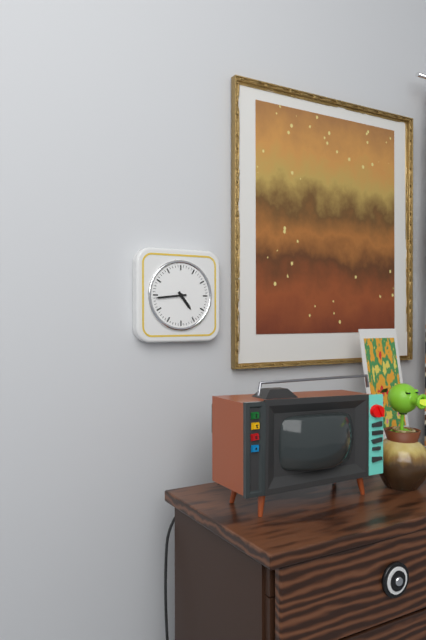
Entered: 4,44
